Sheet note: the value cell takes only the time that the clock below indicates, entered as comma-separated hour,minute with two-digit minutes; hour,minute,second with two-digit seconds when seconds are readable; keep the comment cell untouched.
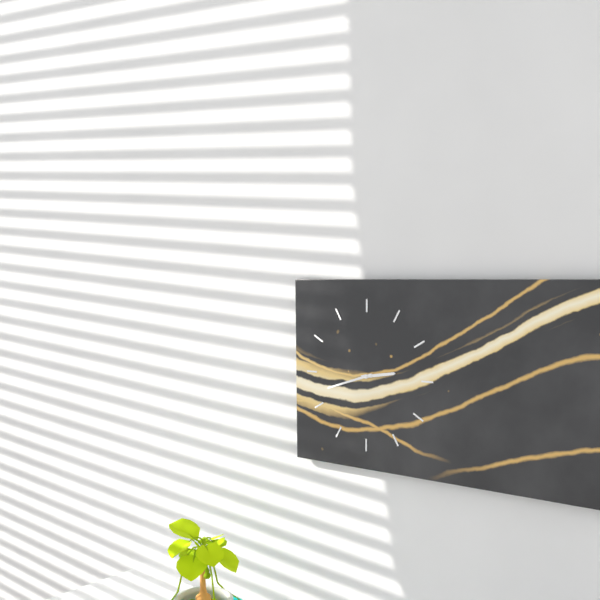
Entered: 2,42
